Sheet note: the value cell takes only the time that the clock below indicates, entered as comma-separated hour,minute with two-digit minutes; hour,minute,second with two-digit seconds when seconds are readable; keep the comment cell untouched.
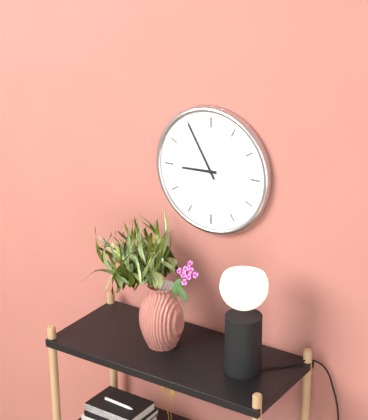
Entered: 8,55
